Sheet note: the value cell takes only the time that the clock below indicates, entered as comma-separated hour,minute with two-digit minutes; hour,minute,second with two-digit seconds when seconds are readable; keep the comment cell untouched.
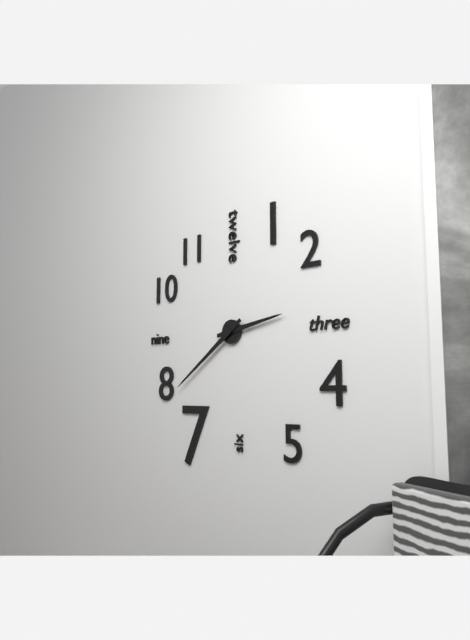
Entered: 2,39
